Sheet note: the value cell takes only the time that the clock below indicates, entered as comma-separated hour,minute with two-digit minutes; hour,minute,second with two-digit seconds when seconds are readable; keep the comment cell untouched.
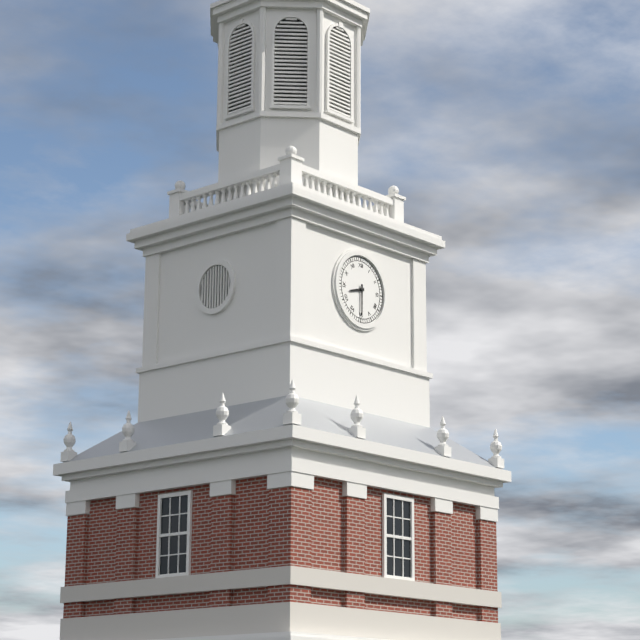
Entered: 8,30
